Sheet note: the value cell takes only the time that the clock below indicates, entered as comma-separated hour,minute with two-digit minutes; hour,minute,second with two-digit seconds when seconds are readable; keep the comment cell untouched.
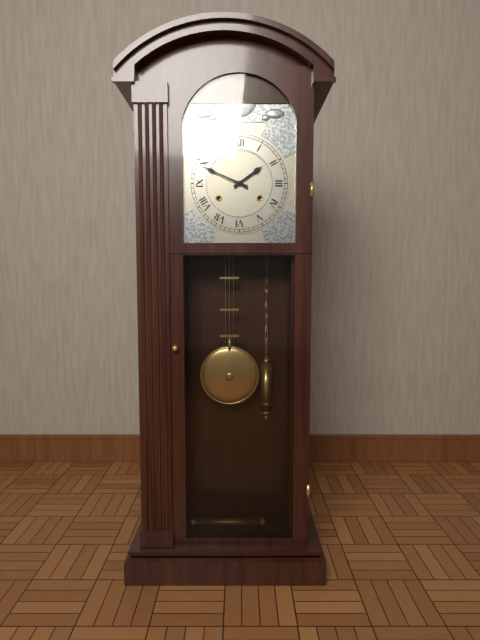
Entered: 1,49
